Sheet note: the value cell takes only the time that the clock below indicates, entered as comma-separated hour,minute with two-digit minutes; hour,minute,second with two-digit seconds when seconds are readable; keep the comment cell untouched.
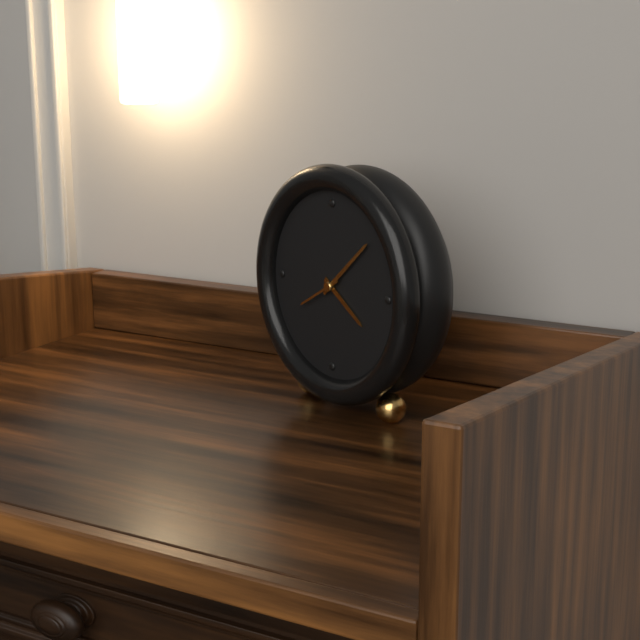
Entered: 4,08
